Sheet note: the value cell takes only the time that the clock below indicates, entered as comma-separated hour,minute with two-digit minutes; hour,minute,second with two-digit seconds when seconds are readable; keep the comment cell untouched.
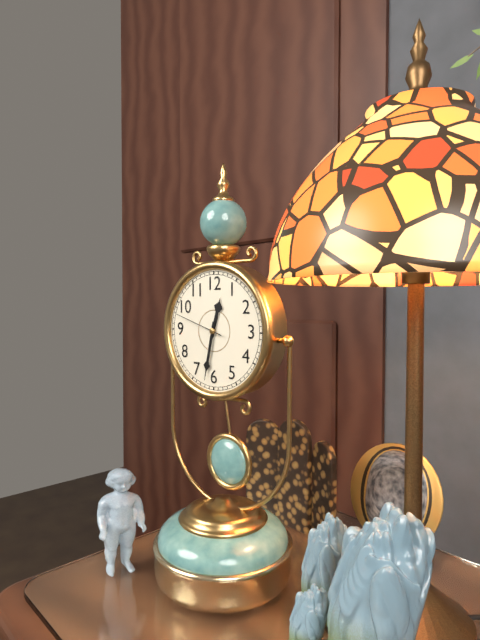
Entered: 12,32,48
